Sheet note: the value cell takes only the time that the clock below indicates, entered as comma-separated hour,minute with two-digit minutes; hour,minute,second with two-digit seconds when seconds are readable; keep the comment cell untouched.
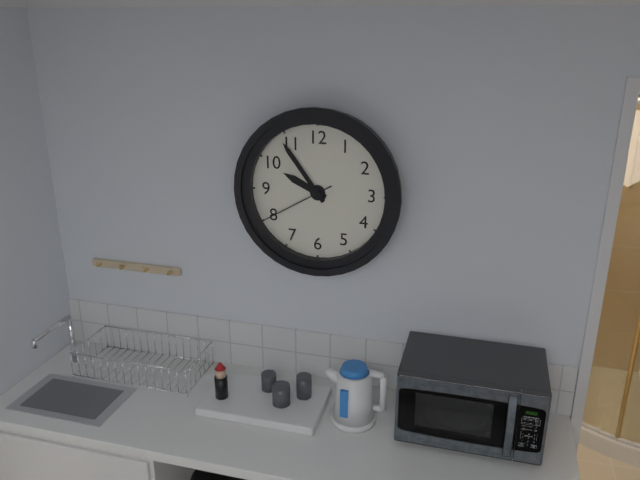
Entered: 9,54,40
